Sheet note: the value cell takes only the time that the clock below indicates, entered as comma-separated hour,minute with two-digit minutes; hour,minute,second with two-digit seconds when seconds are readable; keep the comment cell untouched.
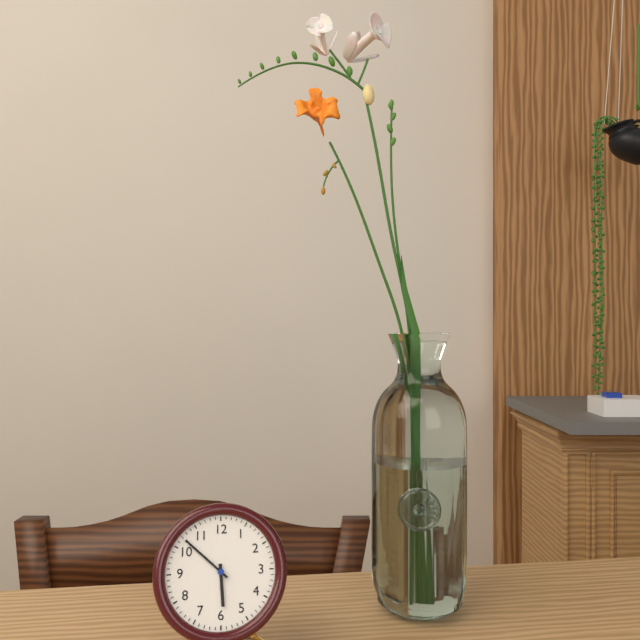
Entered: 5,52
